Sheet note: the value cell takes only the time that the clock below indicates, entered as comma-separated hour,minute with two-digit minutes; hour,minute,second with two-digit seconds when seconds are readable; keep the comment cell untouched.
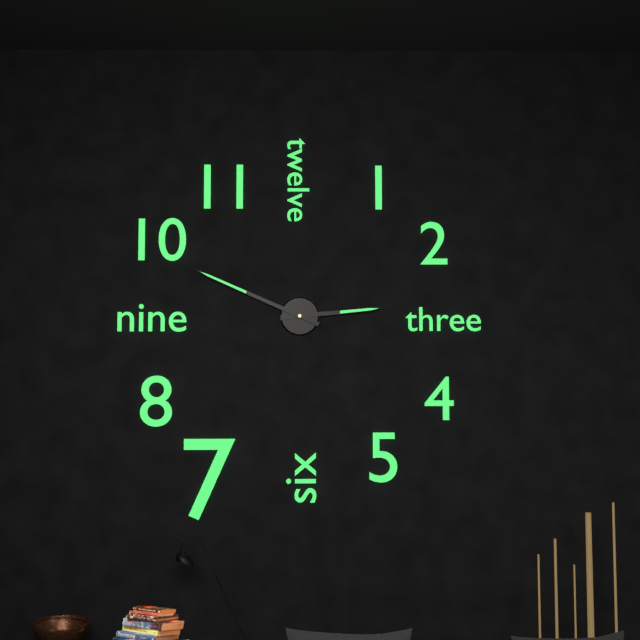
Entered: 2,49
